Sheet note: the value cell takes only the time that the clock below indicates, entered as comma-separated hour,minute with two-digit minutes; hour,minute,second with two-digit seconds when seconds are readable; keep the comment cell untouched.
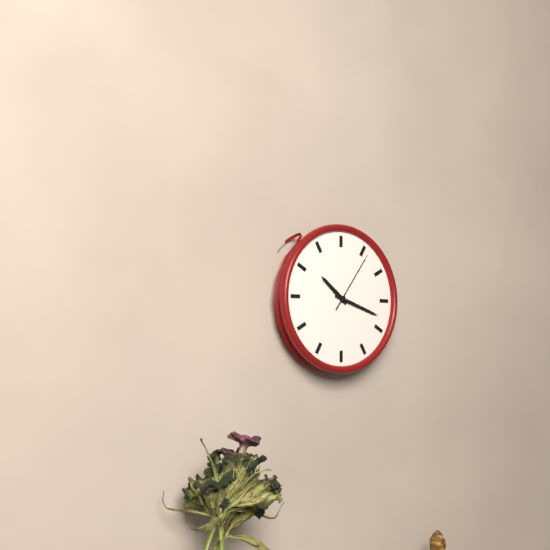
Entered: 10,18,06
